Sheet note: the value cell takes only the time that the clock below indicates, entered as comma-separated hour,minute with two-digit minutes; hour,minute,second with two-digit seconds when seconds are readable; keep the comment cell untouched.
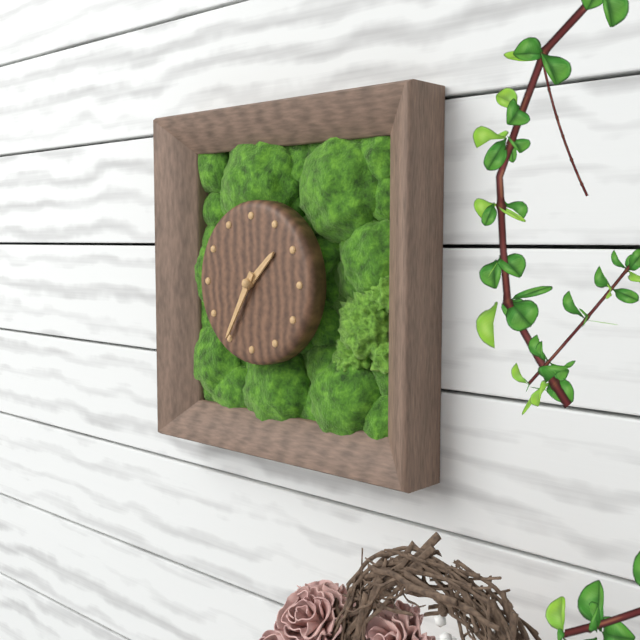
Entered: 1,35
